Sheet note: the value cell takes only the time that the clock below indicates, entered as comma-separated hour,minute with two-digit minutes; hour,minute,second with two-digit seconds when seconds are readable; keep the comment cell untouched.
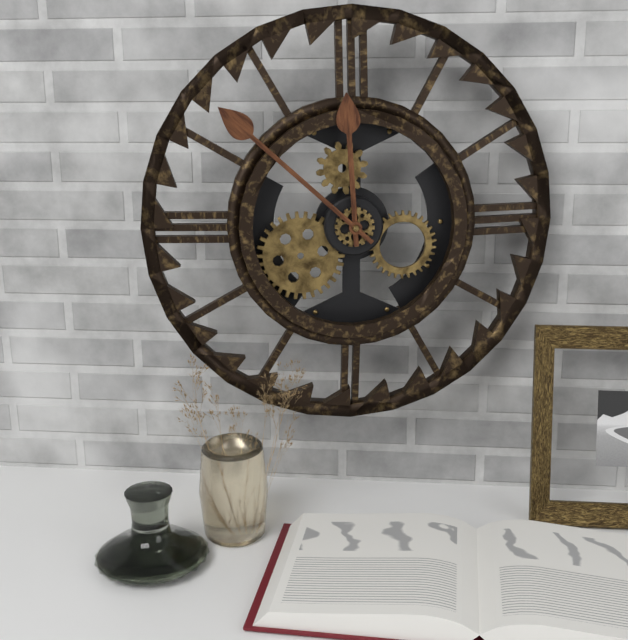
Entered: 11,52
